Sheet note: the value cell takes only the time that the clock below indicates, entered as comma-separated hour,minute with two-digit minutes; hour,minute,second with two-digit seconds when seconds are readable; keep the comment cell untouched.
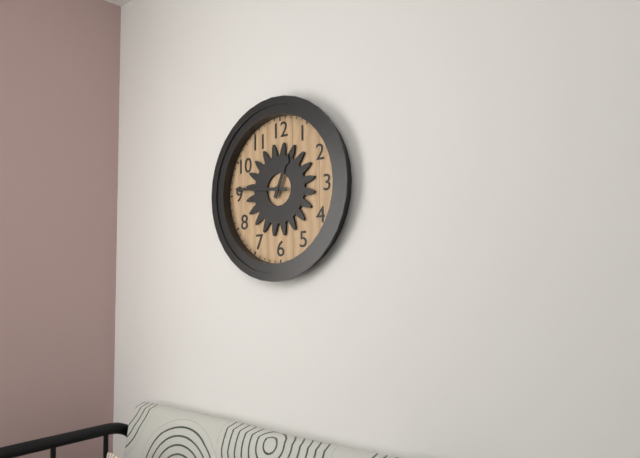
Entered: 12,46
